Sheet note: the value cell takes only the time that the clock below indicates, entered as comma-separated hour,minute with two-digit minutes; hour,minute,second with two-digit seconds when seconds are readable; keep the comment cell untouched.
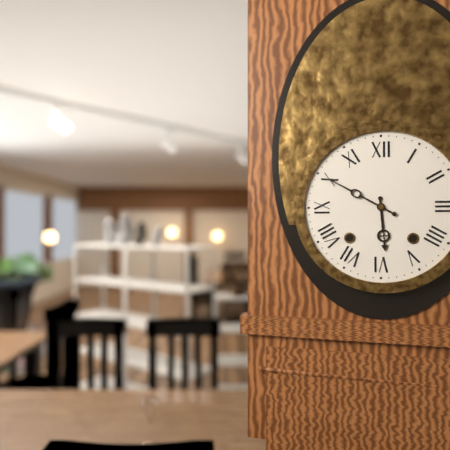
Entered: 5,50
